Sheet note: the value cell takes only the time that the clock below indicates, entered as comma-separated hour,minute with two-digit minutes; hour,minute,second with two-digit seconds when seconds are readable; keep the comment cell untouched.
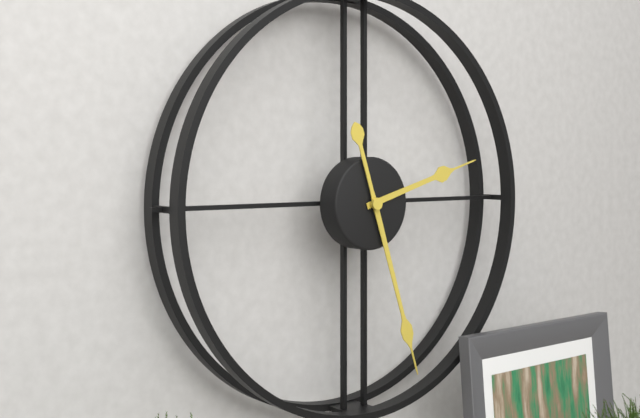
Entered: 2,27
